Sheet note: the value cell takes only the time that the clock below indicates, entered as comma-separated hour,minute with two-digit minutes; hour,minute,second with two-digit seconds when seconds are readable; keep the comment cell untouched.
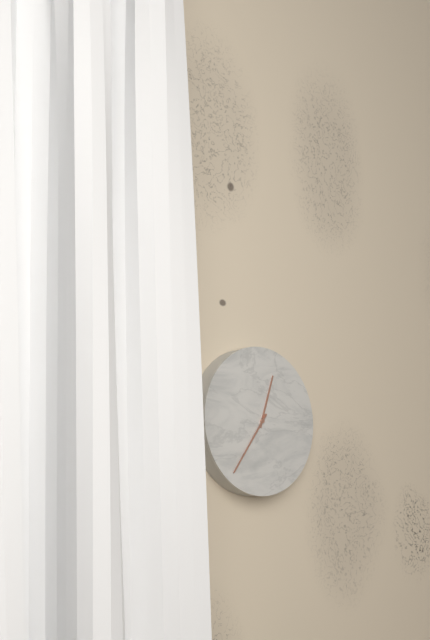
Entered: 12,36
